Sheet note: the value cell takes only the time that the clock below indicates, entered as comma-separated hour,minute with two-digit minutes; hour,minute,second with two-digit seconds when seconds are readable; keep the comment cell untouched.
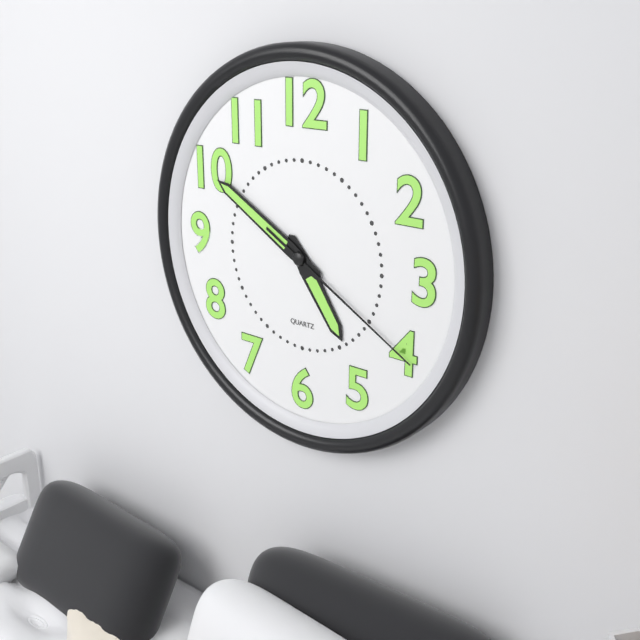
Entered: 4,50,20
